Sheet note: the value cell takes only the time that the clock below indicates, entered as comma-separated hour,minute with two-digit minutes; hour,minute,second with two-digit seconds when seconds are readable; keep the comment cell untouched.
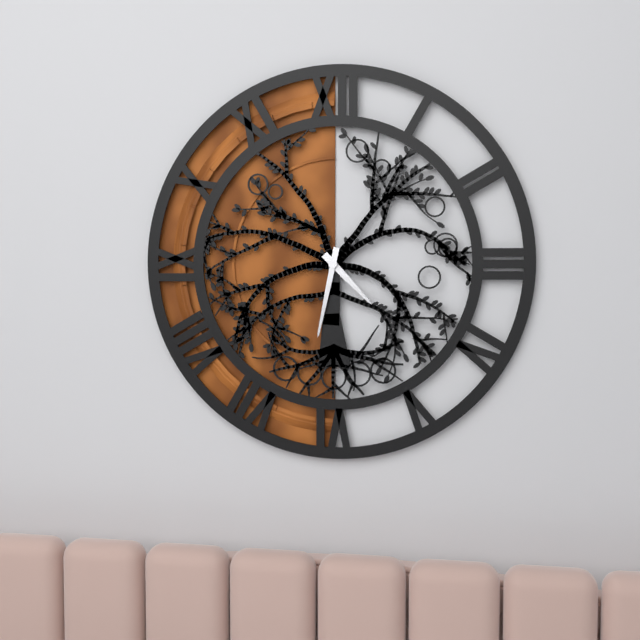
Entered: 4,32
